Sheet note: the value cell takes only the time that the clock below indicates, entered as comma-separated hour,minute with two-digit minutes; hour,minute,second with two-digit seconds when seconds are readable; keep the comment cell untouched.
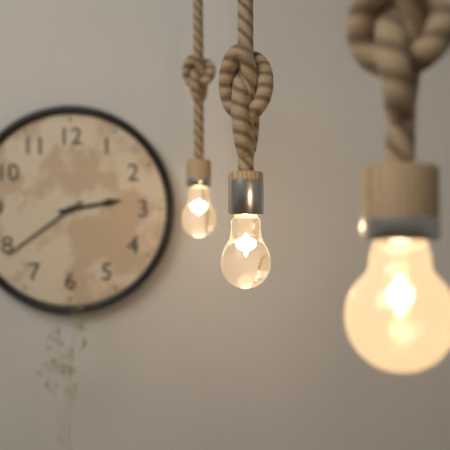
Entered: 2,39
